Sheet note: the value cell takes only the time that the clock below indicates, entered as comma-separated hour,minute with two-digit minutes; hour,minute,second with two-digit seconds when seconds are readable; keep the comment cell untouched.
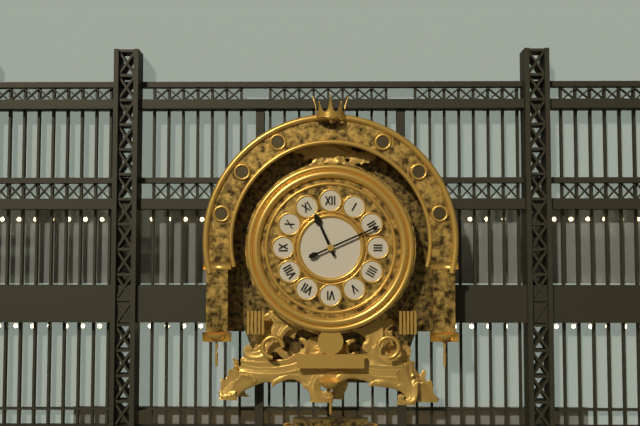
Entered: 11,11
